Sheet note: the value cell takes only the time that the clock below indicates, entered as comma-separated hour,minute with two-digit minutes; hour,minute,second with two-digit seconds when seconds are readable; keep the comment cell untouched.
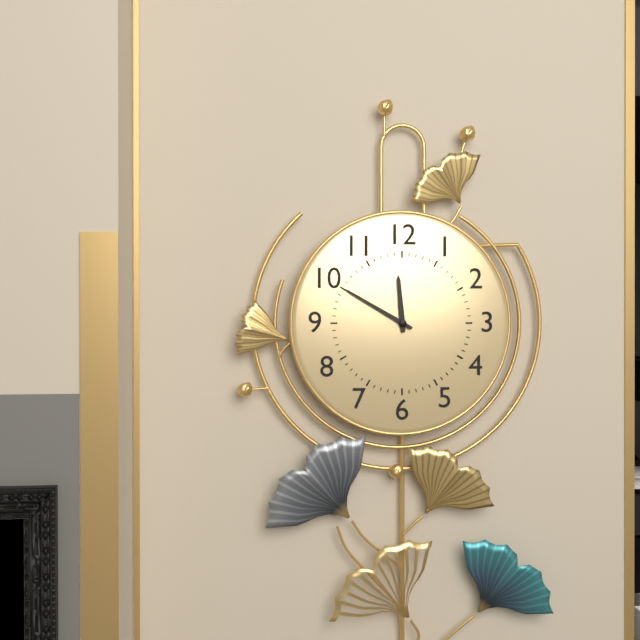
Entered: 11,50
